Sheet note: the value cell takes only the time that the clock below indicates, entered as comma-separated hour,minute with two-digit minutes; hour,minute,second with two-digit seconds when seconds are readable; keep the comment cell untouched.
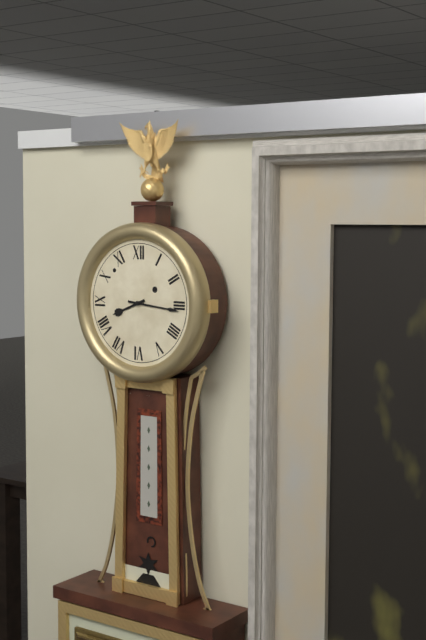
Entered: 8,16
